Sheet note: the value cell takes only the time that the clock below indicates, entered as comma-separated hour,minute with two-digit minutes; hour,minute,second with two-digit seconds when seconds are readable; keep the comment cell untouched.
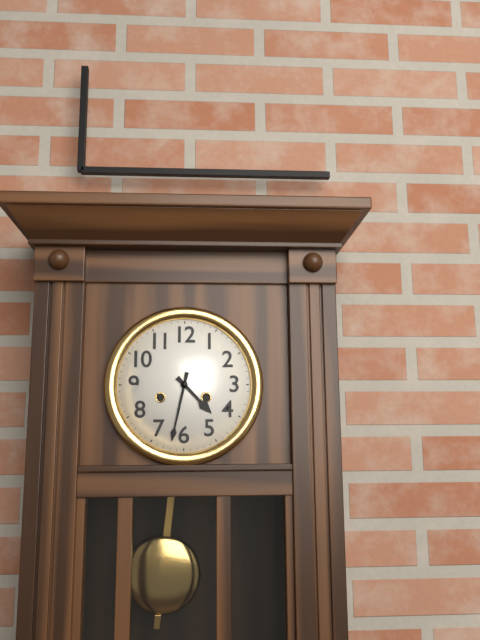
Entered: 4,32
